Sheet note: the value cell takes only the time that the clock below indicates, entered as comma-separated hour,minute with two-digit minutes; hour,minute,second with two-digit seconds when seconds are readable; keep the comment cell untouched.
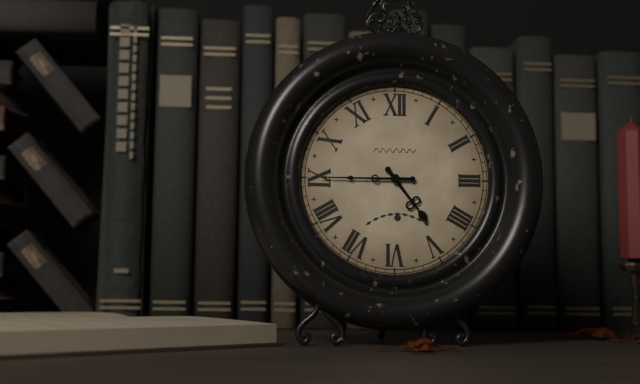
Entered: 4,45
